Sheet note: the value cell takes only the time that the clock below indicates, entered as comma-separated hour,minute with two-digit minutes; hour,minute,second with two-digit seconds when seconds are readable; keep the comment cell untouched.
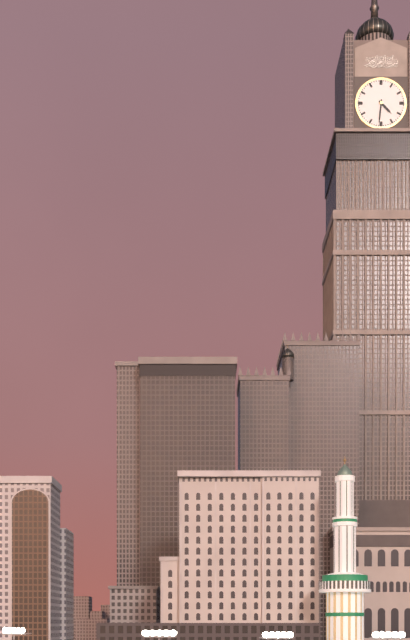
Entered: 4,31
